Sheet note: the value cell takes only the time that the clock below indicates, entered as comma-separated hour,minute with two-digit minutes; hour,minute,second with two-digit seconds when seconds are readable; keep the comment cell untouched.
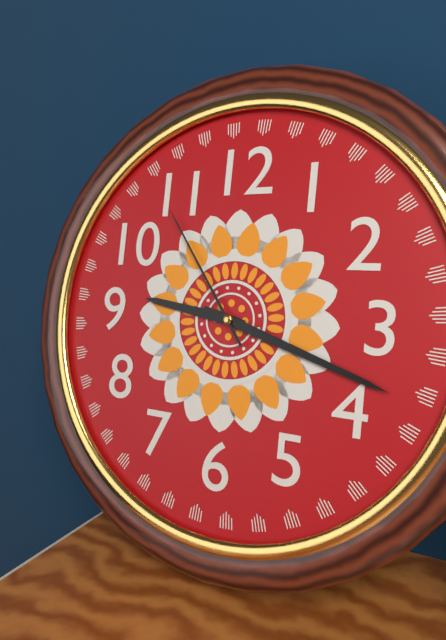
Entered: 9,18,54
